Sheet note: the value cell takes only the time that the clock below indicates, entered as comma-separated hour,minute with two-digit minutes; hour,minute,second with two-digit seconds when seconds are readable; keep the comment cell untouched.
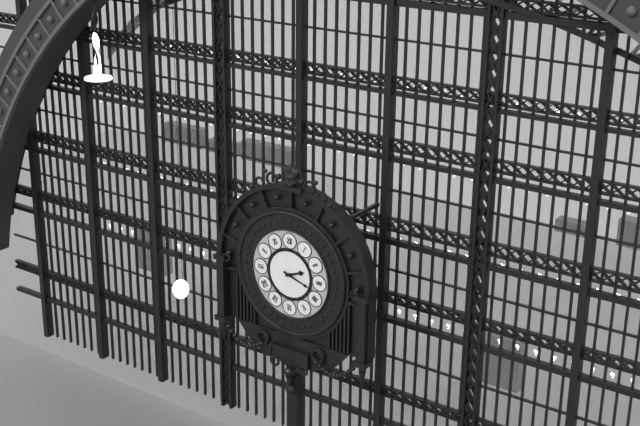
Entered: 2,18
